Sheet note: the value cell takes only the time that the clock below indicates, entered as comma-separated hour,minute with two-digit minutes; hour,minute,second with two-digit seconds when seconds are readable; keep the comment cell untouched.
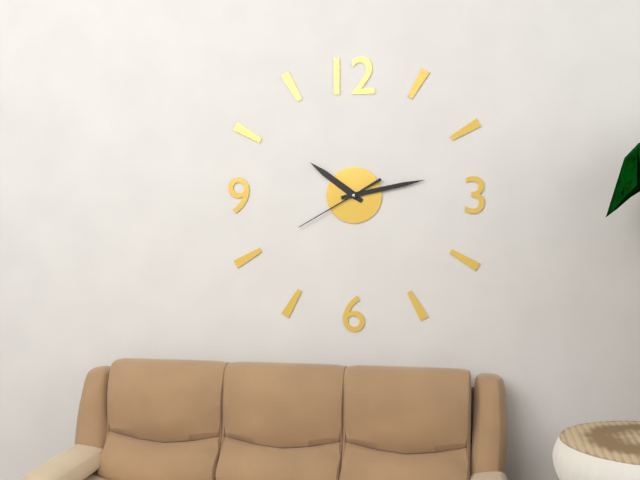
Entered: 10,13,40
